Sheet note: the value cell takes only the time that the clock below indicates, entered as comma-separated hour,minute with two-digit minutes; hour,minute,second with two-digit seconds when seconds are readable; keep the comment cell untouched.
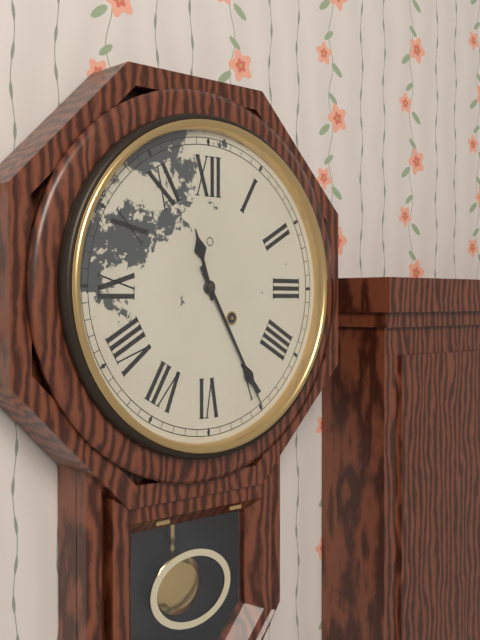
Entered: 11,25
